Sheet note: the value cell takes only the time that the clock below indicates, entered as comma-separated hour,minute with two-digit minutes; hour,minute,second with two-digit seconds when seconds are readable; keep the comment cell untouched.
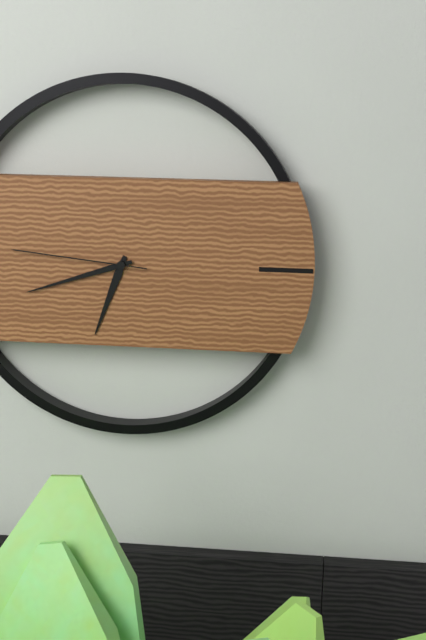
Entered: 6,42,46
